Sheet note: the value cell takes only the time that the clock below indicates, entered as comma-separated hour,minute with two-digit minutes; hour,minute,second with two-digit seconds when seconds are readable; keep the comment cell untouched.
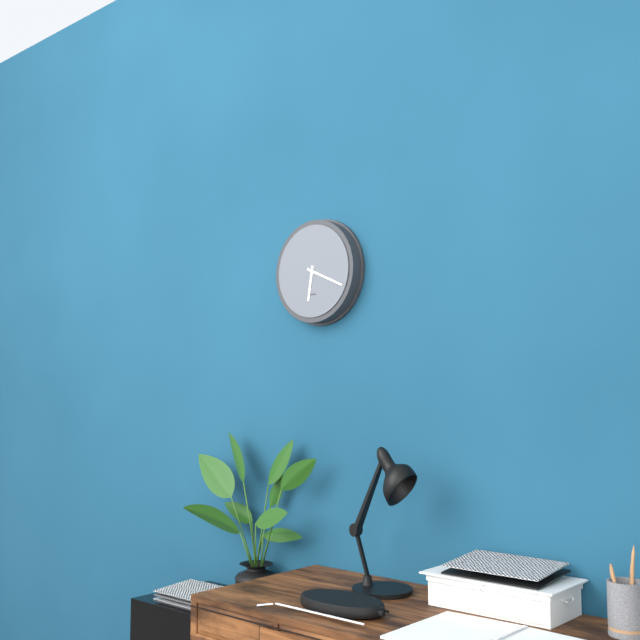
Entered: 6,19
